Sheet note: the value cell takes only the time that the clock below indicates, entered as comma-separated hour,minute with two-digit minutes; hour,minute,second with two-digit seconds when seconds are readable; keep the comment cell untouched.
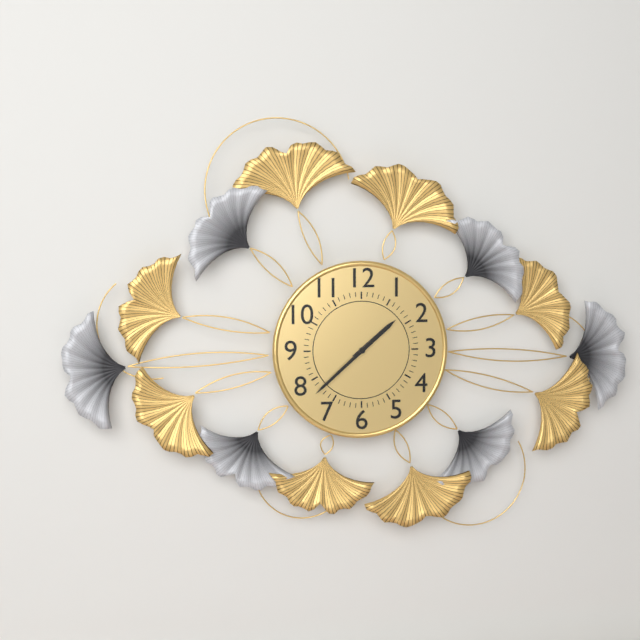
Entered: 1,38
